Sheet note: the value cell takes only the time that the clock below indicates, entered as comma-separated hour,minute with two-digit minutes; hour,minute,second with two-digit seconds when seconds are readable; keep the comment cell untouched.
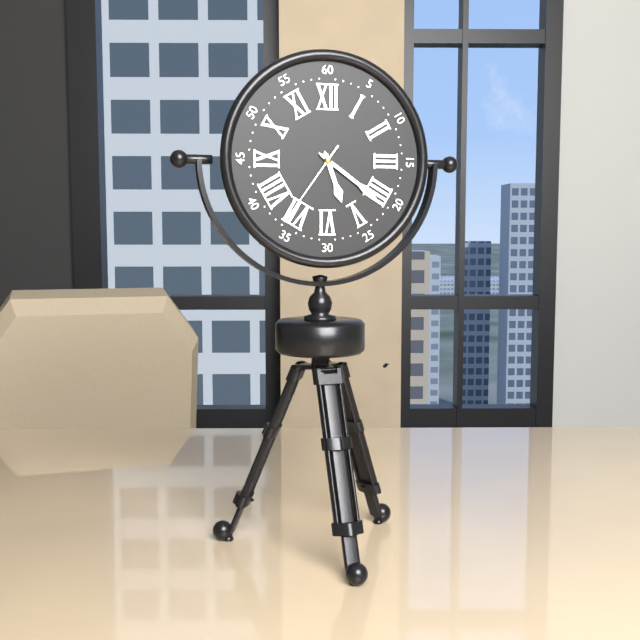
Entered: 5,21,36
